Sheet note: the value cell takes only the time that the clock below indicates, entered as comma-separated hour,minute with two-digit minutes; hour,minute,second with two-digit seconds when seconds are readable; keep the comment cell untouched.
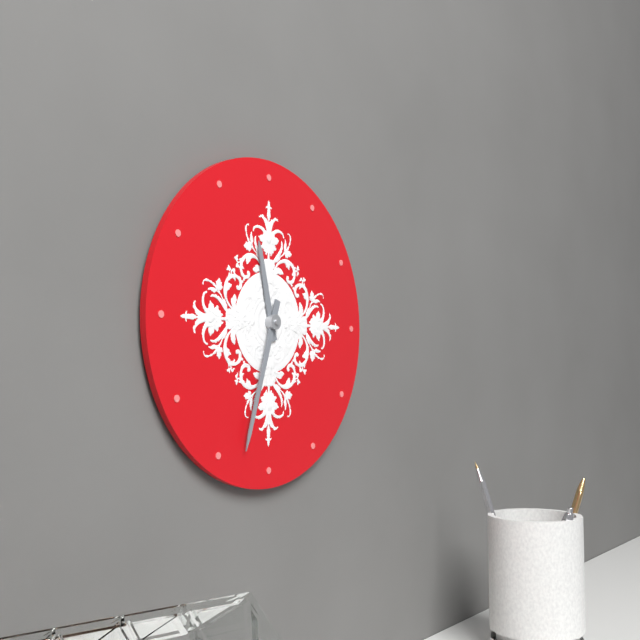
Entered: 11,33
